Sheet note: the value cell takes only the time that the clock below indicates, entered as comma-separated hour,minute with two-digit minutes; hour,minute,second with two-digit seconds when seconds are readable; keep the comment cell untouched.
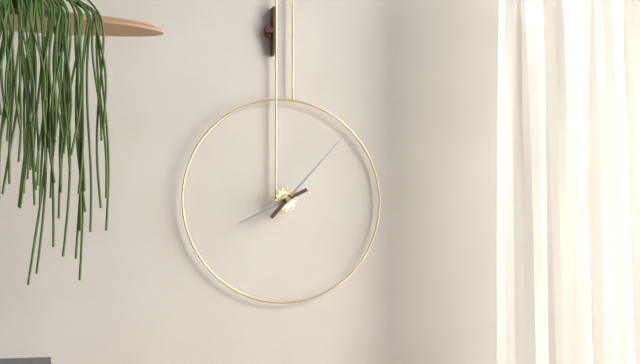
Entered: 8,07
